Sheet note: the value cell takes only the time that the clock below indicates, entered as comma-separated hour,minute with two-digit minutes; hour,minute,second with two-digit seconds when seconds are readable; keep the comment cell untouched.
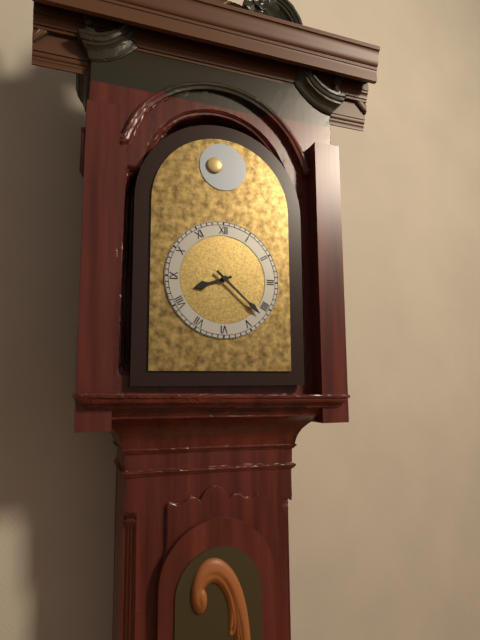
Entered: 8,22
